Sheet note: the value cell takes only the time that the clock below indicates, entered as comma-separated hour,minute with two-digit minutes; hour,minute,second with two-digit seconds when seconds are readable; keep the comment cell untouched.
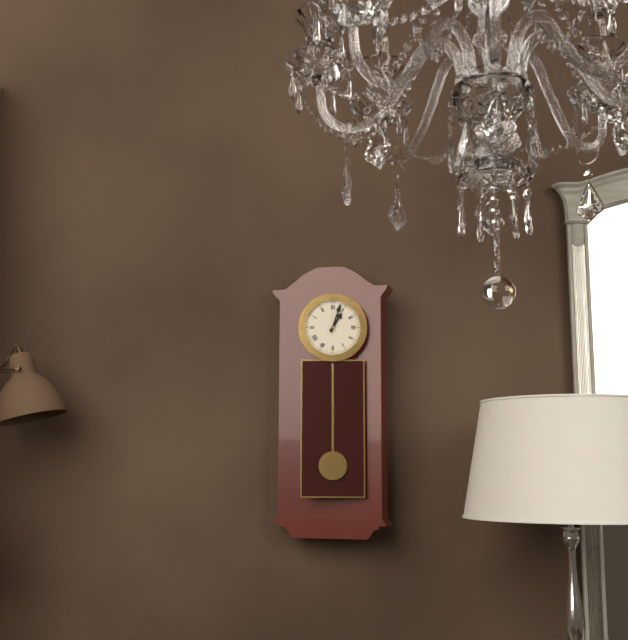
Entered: 1,03
